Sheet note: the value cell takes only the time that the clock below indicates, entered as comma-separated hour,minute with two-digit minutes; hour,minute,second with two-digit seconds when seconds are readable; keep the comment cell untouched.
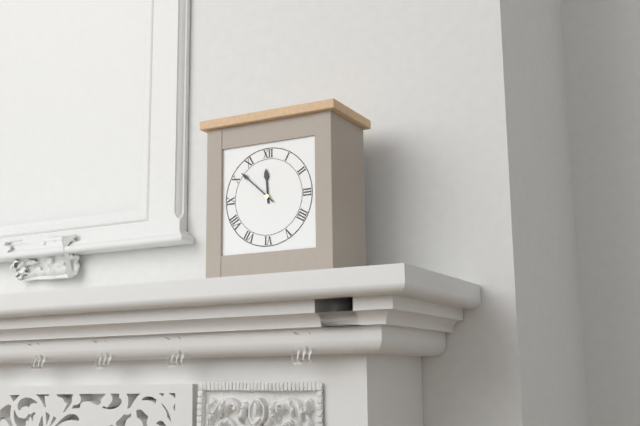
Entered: 11,52
